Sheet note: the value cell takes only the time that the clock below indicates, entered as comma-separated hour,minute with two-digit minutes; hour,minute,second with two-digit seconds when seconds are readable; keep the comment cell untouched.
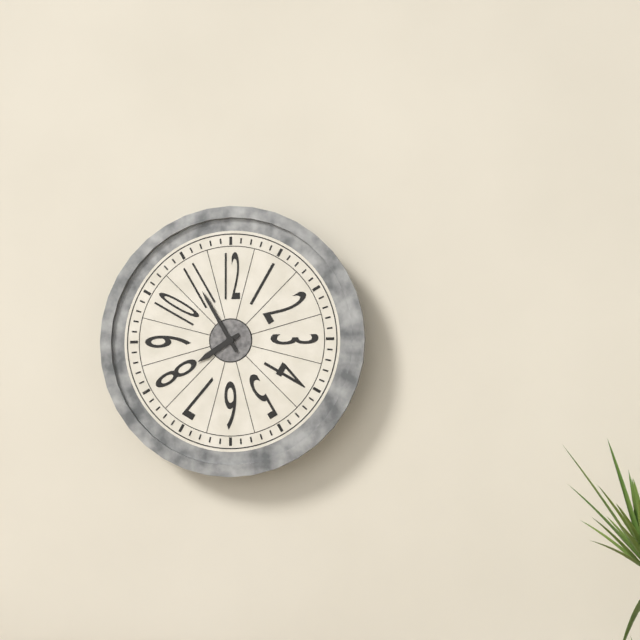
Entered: 7,55
